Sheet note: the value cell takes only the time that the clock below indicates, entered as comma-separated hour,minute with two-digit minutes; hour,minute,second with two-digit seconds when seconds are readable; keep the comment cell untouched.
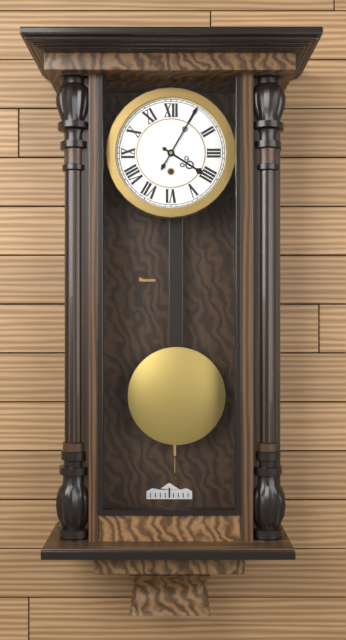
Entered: 4,05
